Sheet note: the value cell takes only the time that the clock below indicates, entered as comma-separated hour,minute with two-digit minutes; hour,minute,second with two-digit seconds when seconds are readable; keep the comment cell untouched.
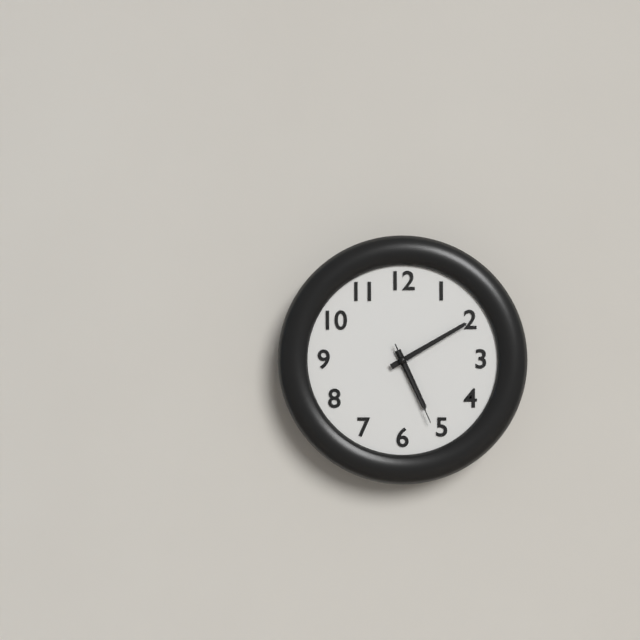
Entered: 5,10,26
